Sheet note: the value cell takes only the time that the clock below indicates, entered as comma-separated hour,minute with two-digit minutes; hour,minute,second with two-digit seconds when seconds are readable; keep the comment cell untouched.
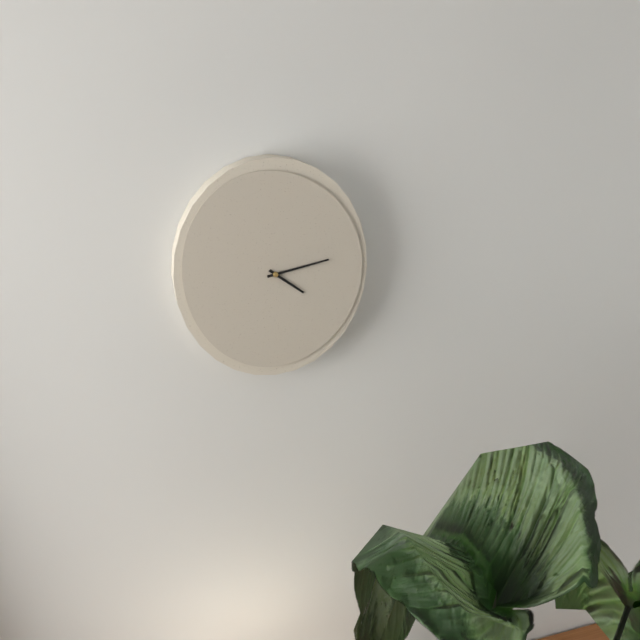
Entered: 4,13
